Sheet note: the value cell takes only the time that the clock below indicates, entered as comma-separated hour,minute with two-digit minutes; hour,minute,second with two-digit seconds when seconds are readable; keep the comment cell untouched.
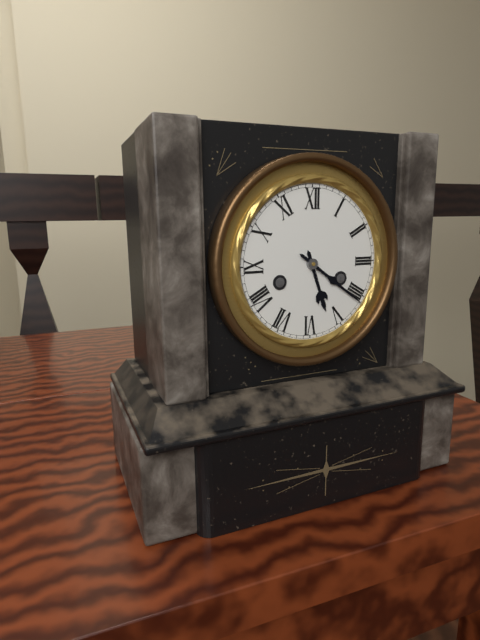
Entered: 5,21
